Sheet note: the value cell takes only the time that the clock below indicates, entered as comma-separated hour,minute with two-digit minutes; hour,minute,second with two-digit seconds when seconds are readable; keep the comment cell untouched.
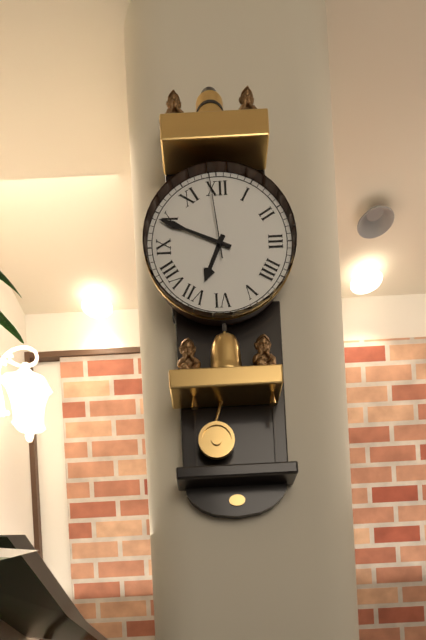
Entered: 6,49,59
